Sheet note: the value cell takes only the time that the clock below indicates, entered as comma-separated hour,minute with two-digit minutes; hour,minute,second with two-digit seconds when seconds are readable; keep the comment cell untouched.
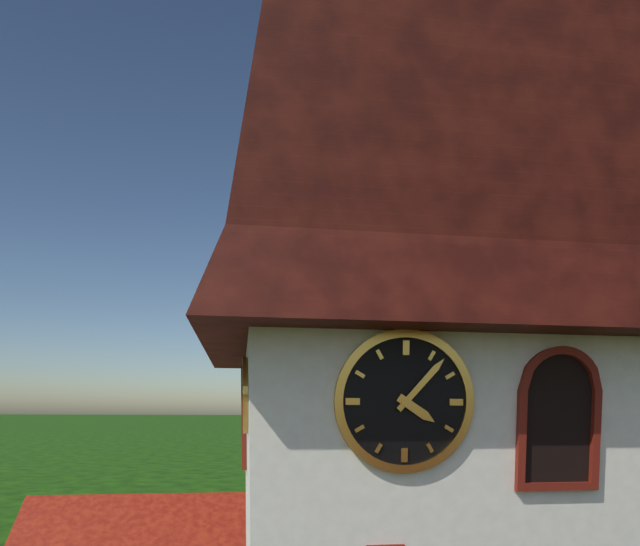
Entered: 4,07
